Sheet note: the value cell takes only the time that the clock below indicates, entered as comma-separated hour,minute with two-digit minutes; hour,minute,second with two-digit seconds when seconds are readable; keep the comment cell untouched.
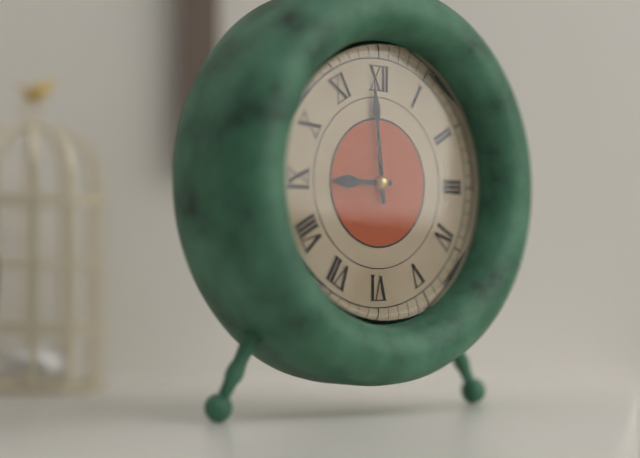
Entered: 8,59
